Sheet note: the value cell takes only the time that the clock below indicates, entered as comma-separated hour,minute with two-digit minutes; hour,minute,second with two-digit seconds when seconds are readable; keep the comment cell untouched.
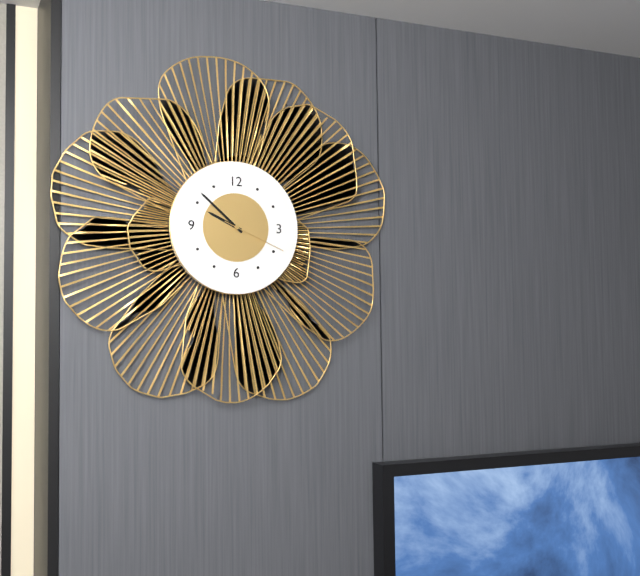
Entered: 9,52,19
